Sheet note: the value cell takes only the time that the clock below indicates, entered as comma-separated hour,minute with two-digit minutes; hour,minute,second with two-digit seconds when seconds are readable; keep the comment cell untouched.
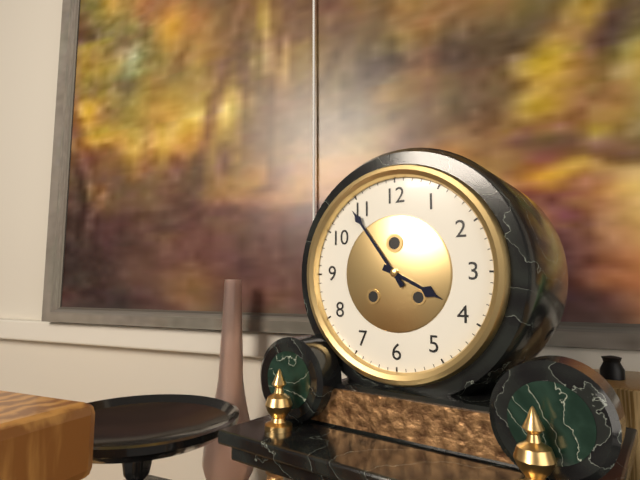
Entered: 3,54
